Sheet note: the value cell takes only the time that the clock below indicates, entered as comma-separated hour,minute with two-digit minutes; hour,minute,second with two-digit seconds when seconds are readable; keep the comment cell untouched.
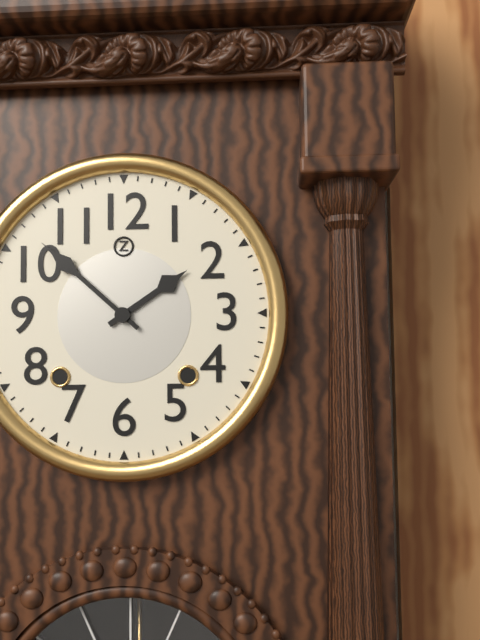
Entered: 1,52
